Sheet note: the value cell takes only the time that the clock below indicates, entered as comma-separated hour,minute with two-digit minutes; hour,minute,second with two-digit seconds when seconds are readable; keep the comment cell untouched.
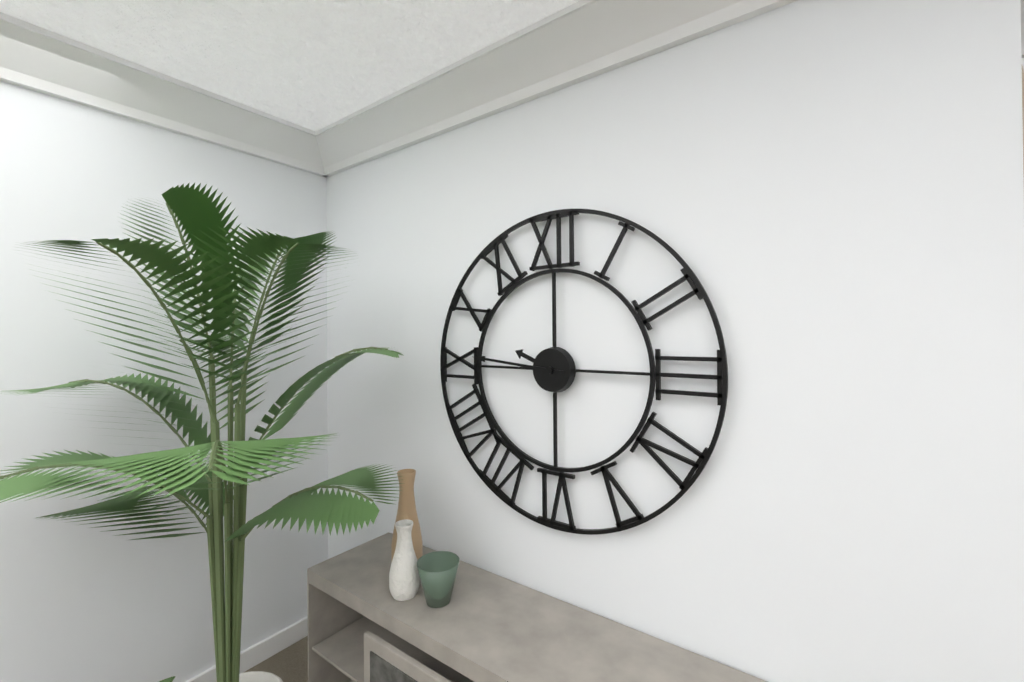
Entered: 9,46
